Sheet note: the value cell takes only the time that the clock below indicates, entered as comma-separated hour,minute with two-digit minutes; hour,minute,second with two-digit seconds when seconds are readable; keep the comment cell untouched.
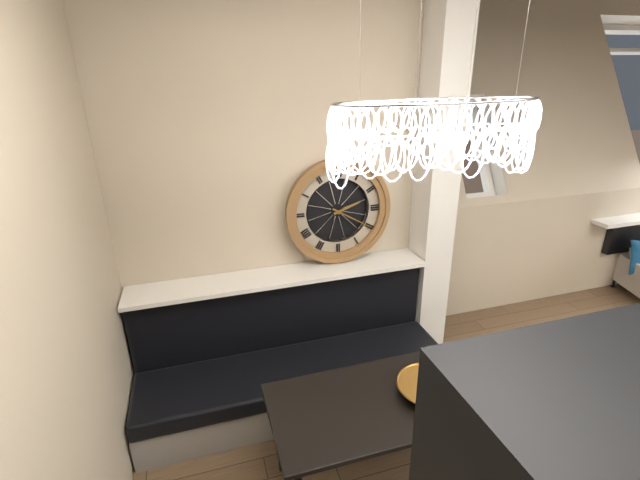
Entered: 2,20
